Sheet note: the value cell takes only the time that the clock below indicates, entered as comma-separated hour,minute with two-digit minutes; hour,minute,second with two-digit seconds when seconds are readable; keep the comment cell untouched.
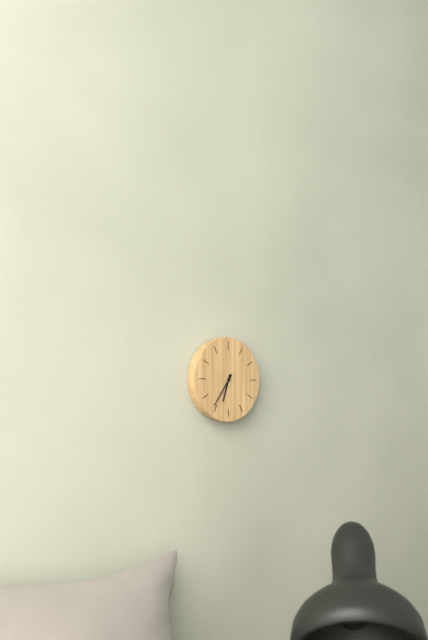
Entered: 6,36
